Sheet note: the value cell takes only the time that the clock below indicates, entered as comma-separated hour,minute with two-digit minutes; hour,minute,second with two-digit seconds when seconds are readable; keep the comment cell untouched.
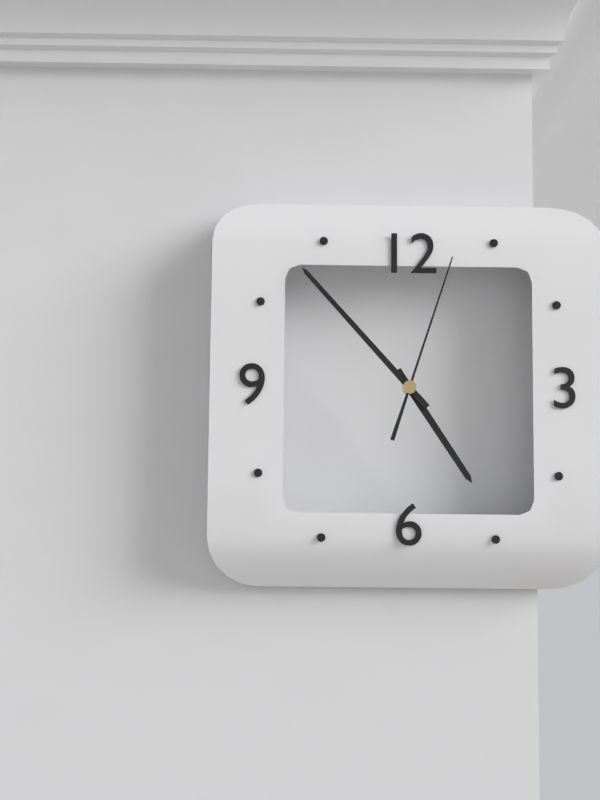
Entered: 4,53,03
